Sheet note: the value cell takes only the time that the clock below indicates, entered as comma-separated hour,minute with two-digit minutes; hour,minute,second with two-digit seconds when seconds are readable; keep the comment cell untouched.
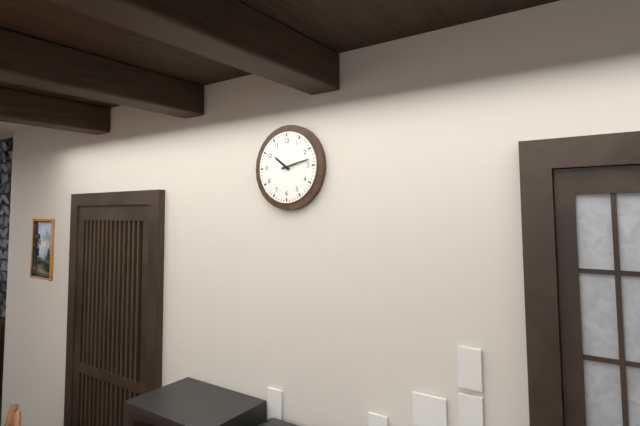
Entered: 10,13
